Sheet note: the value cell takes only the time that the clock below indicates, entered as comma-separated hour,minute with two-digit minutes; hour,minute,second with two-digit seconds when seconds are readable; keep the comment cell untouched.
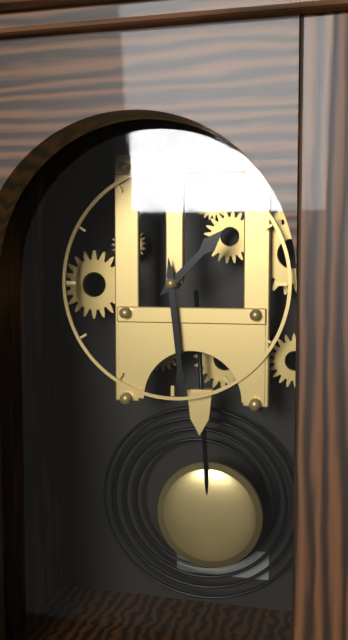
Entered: 1,29
